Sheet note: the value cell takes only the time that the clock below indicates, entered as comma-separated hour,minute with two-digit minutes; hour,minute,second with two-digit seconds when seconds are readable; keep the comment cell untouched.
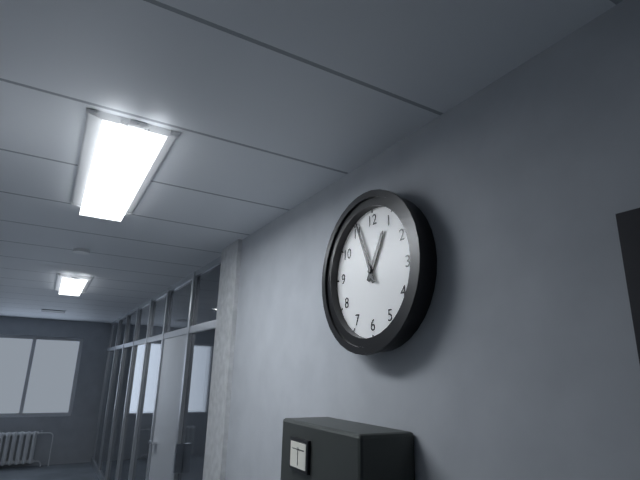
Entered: 12,56
